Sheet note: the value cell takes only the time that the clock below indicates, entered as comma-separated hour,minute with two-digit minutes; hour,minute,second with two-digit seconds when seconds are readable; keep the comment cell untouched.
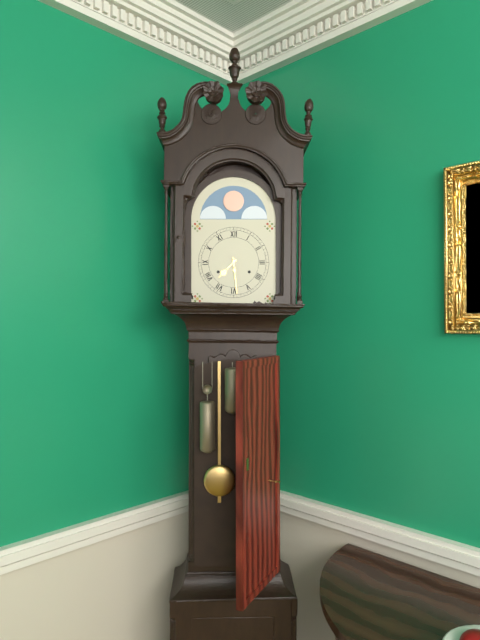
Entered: 7,29
